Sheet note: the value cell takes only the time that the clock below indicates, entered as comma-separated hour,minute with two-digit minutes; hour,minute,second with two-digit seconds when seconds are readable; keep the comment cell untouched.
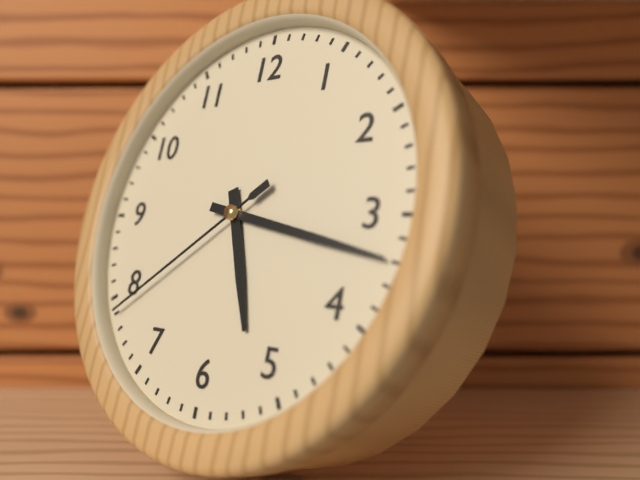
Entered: 5,17,39
